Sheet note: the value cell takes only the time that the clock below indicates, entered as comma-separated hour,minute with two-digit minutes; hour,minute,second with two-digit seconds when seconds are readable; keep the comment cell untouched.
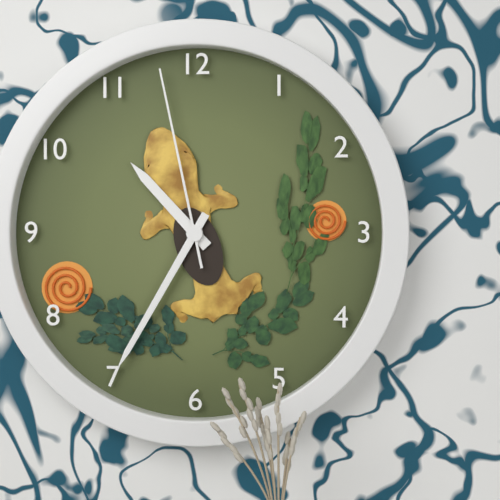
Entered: 10,35,58
